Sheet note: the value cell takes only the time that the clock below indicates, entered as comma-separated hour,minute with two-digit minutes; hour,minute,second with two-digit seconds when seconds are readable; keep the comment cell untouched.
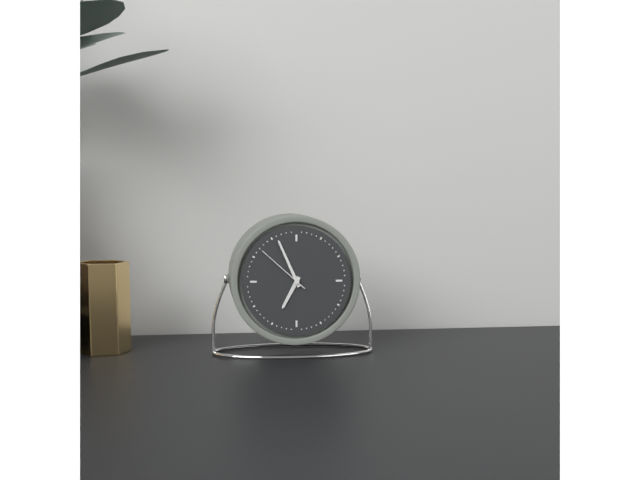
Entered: 6,56,52
